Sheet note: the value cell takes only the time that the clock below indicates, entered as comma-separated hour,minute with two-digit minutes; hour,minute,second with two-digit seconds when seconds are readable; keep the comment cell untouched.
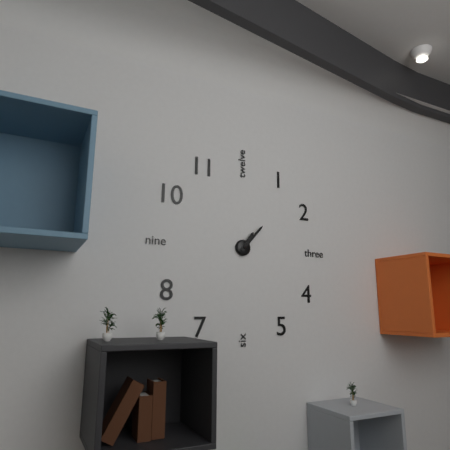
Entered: 1,07
